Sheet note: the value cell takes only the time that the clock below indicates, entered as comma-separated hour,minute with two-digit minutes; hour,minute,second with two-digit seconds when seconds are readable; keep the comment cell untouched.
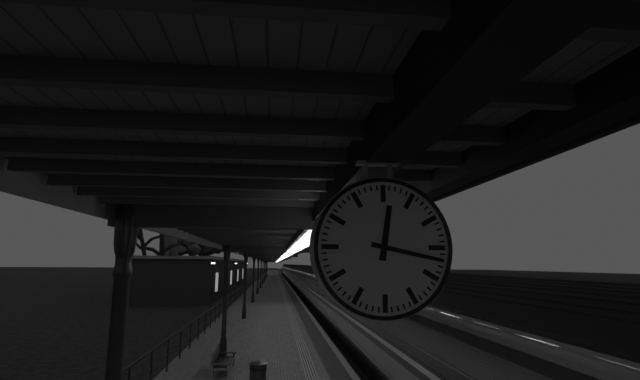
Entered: 12,17
